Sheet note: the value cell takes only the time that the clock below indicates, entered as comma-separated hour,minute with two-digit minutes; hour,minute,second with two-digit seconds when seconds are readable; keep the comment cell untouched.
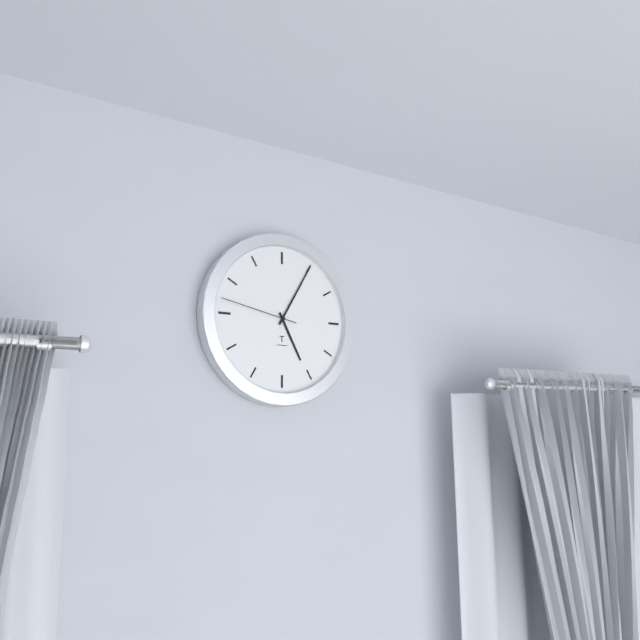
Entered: 5,05,47
